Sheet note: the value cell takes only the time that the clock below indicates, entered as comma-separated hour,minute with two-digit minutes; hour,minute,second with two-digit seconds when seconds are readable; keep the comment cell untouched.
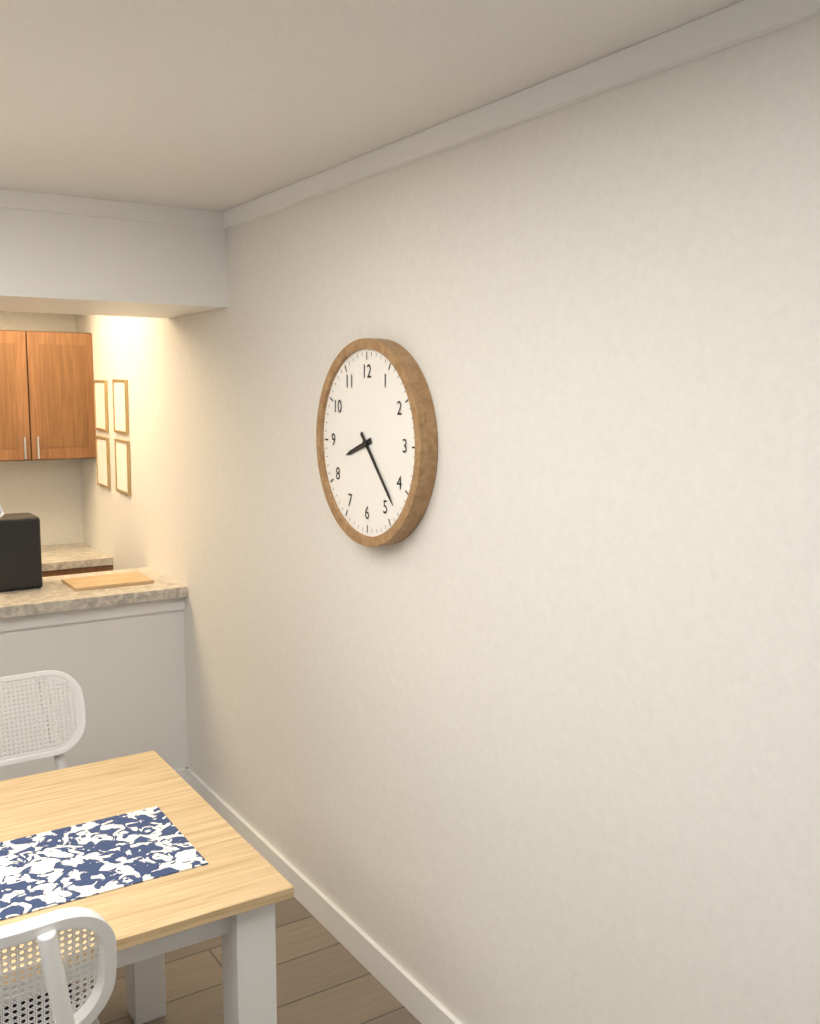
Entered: 8,23
